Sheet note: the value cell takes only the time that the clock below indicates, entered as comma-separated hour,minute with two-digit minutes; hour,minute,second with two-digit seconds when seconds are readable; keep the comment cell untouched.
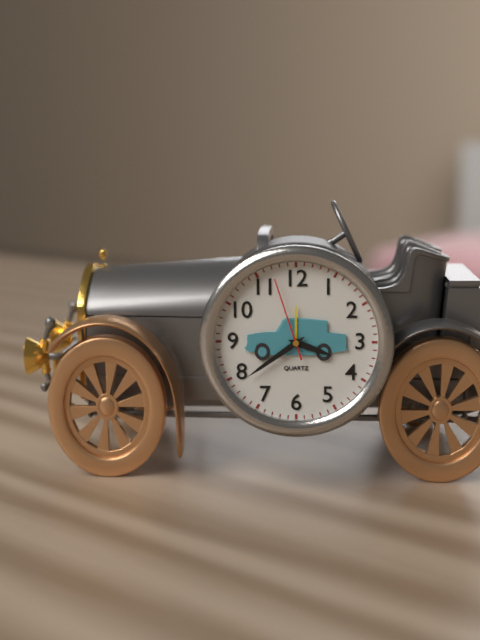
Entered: 3,39,57
